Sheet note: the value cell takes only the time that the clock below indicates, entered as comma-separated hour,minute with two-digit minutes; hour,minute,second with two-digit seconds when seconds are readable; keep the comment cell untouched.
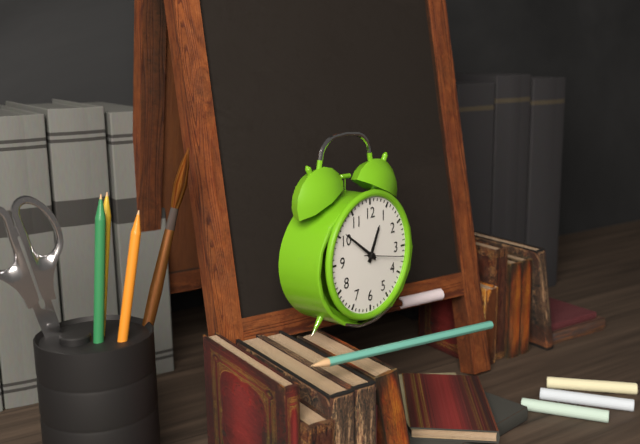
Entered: 12,51
